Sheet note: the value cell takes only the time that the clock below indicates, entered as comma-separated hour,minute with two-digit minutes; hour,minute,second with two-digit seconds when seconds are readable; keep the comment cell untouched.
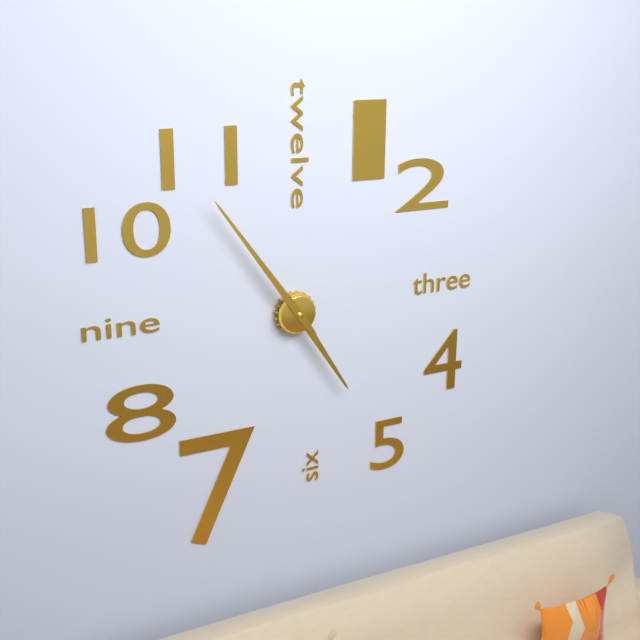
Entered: 4,54
